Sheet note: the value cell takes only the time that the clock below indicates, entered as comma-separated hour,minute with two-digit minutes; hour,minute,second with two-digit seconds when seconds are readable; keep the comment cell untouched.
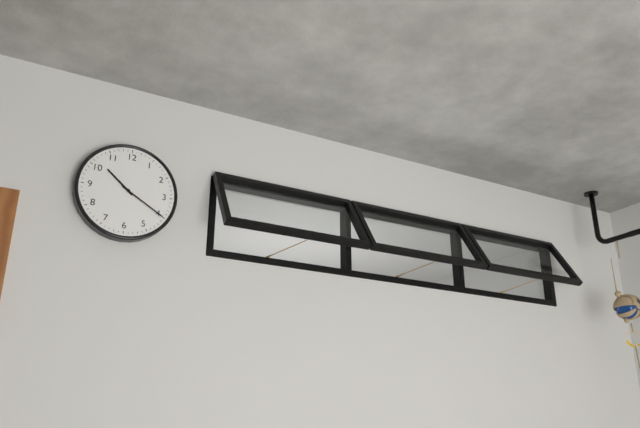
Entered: 10,20
